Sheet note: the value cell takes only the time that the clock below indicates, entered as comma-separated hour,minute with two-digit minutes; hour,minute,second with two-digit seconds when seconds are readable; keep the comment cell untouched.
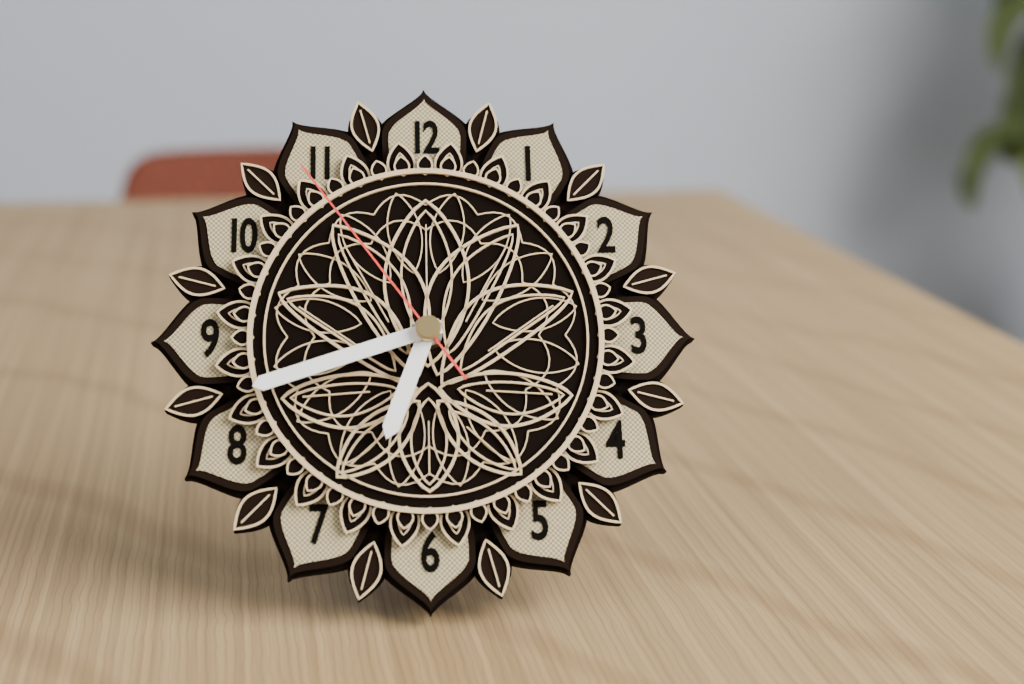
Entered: 6,42,54
